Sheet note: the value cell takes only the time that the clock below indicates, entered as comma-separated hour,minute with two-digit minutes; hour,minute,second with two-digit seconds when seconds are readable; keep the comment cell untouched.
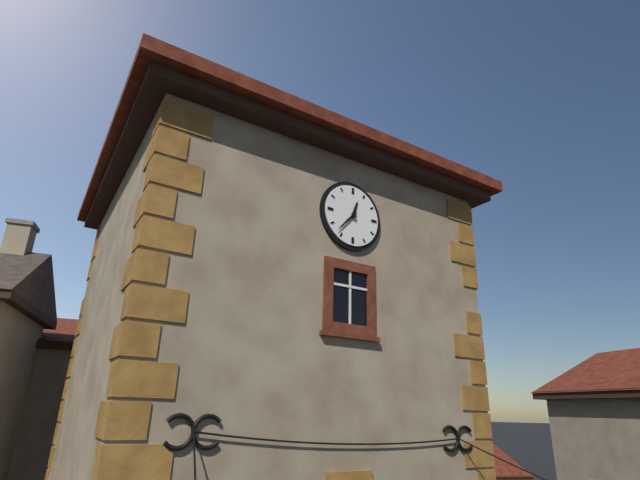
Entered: 12,37
